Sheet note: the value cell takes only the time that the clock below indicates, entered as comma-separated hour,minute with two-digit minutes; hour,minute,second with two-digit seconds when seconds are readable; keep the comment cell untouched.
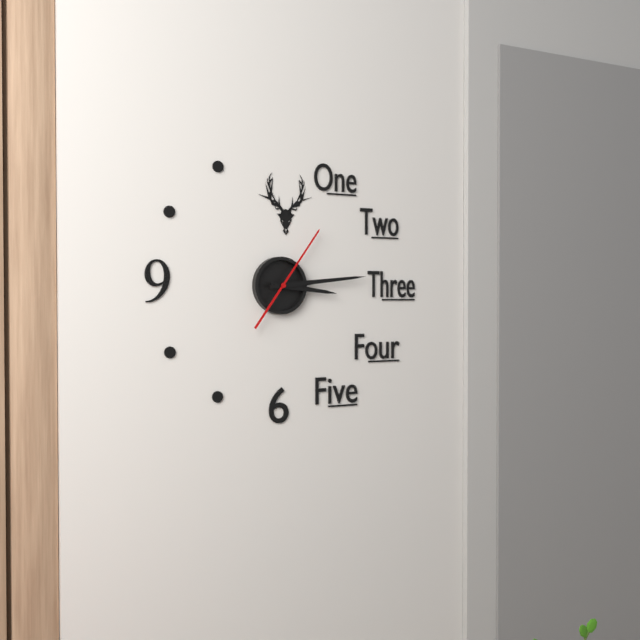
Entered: 3,14,06
